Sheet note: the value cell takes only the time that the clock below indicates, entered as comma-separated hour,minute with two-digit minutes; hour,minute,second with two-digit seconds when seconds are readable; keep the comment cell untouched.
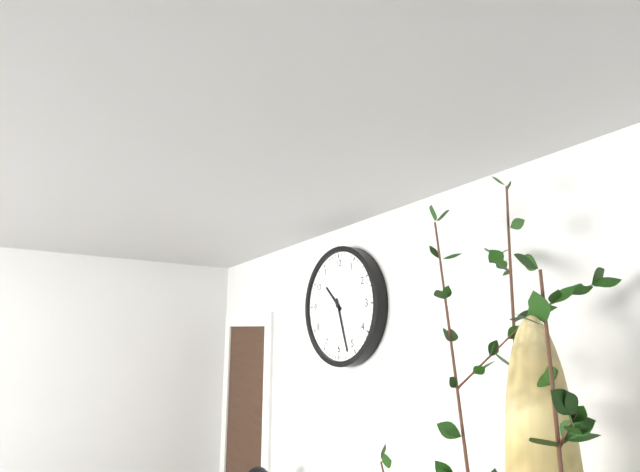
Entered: 10,27
